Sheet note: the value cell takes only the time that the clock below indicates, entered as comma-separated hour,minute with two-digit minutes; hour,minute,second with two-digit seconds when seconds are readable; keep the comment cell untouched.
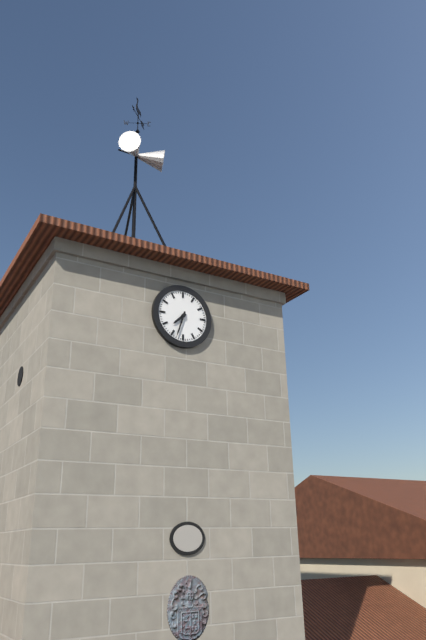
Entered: 7,33
